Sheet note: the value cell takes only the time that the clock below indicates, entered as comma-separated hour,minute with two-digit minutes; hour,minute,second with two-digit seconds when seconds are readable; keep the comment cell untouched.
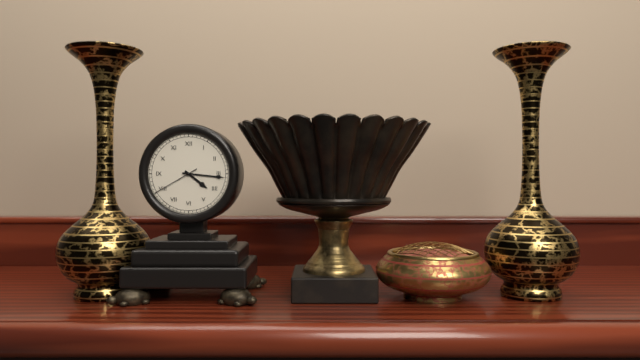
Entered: 4,16
